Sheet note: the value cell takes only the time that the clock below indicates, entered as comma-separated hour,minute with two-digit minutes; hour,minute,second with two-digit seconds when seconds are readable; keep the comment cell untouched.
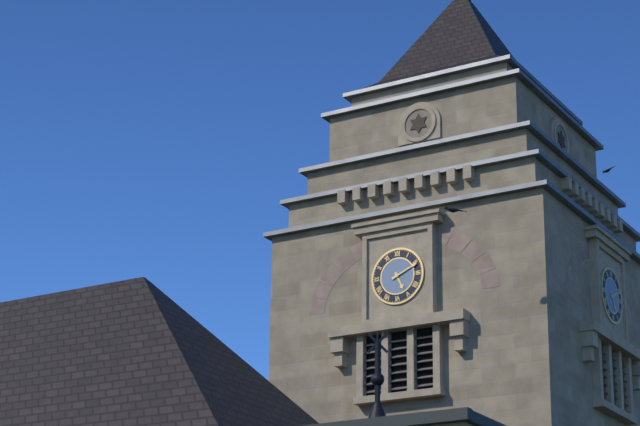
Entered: 5,11
